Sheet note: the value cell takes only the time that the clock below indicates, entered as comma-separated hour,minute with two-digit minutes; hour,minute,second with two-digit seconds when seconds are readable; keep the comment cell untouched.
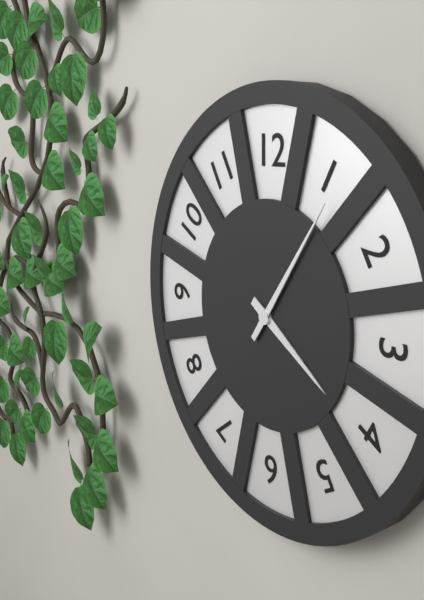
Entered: 4,06
